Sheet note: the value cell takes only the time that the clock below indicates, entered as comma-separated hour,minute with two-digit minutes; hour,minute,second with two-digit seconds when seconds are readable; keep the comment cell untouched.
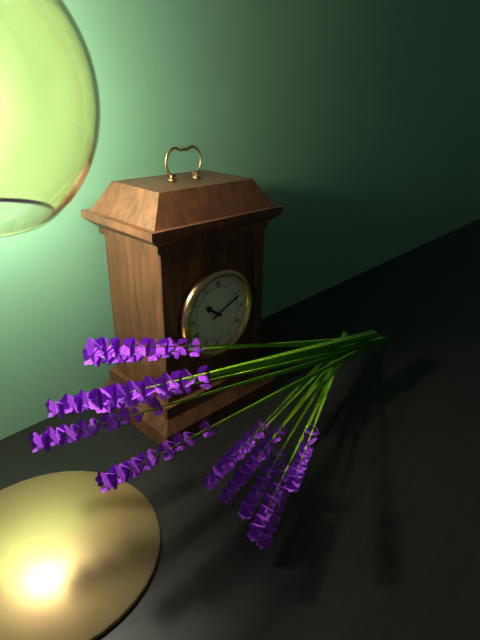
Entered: 10,11
